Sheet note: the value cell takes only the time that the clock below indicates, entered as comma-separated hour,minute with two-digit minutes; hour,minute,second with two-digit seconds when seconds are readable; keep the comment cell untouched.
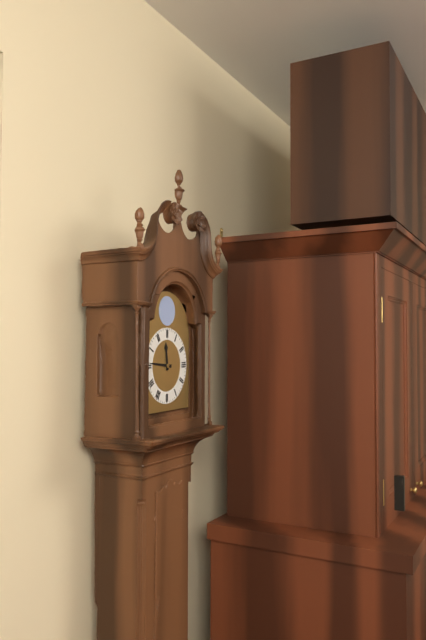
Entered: 11,46
